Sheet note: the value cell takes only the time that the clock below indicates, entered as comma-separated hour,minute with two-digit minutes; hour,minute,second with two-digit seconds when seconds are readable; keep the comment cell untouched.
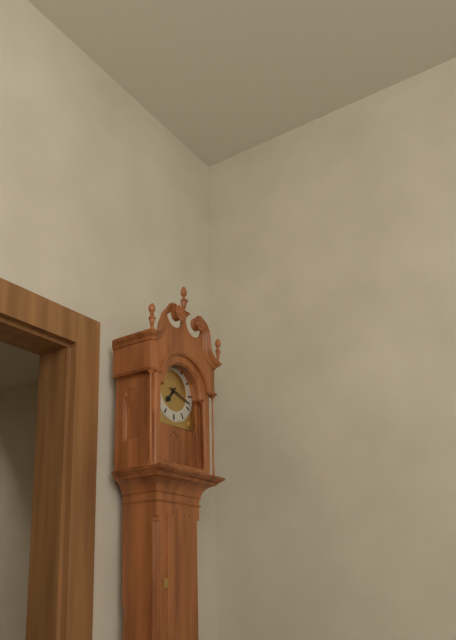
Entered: 7,18
